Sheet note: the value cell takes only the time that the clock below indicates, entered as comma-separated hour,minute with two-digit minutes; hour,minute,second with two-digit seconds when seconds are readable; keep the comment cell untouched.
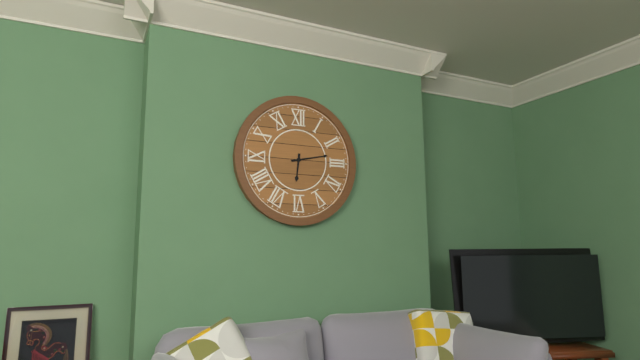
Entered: 6,13
